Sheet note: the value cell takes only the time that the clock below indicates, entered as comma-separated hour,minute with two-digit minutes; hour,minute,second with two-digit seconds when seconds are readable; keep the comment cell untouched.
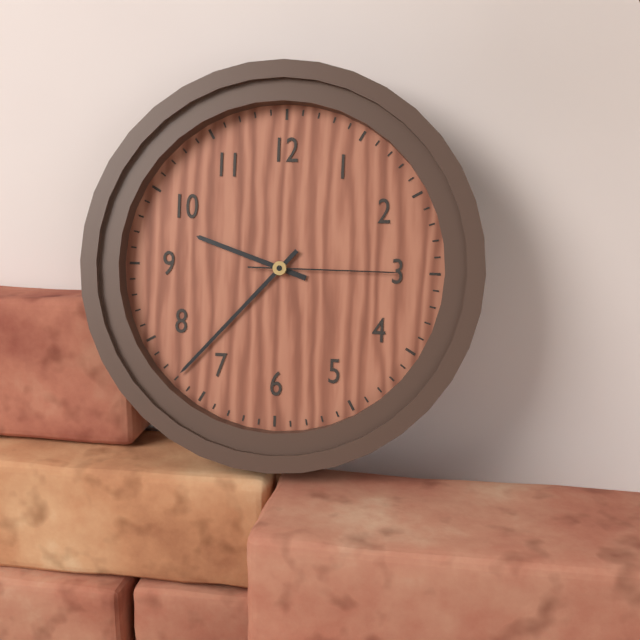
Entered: 9,37,15
